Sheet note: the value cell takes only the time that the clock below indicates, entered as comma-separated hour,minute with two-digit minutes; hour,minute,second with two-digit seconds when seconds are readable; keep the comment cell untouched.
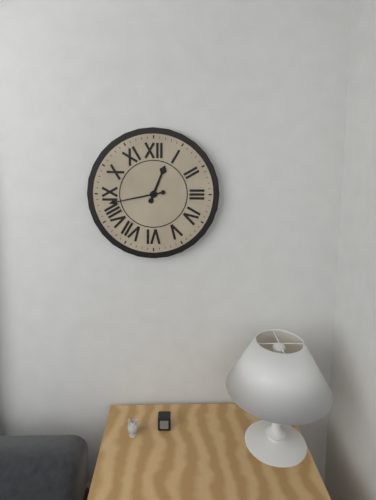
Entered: 12,43
